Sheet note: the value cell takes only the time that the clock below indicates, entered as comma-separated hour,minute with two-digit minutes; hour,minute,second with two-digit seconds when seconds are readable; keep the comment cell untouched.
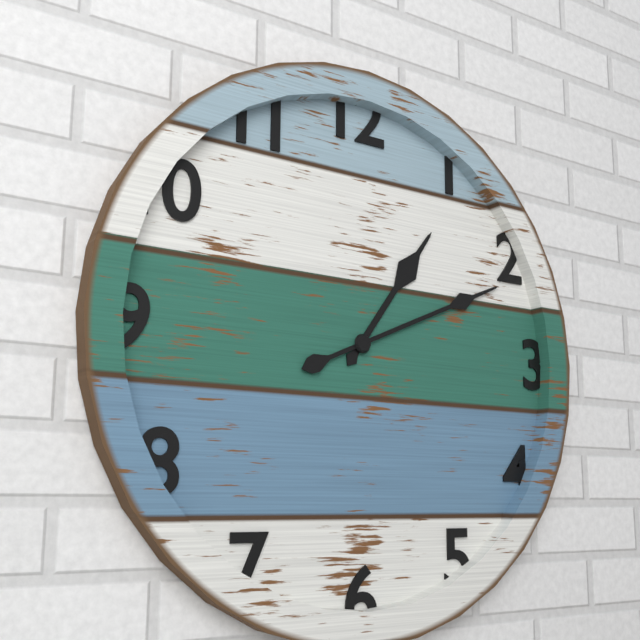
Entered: 1,11
